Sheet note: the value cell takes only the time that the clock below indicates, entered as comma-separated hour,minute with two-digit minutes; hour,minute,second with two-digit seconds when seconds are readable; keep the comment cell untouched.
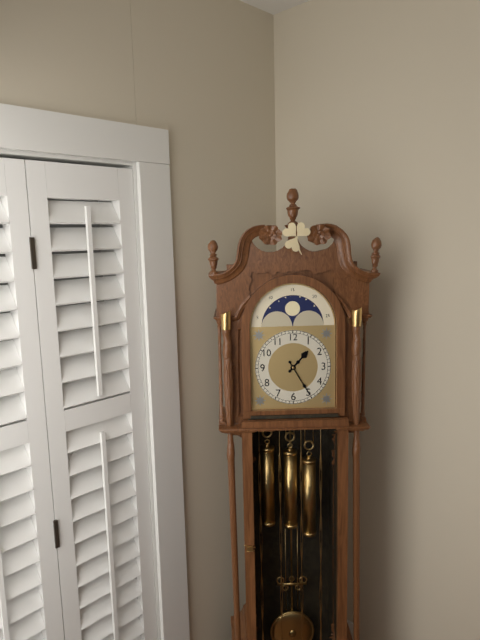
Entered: 1,25
